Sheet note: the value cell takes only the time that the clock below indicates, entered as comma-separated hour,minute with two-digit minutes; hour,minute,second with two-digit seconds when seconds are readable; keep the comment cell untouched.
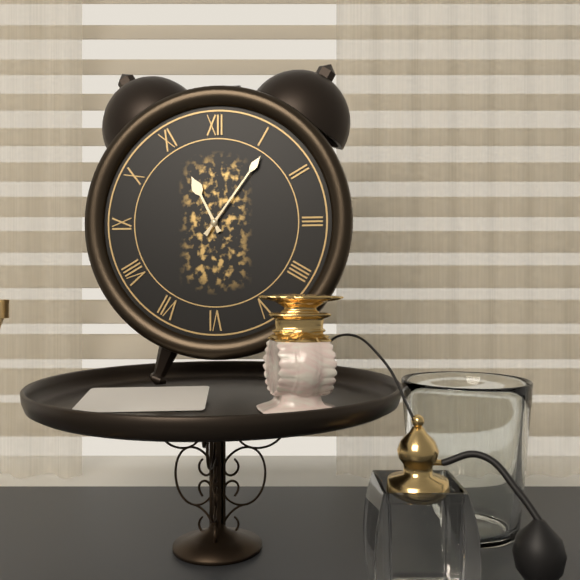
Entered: 11,06
